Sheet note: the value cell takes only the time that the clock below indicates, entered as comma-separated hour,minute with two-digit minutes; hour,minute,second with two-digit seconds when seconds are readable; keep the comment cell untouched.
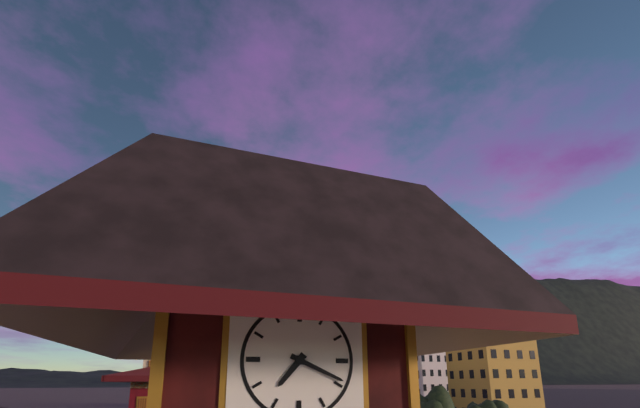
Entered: 7,19
